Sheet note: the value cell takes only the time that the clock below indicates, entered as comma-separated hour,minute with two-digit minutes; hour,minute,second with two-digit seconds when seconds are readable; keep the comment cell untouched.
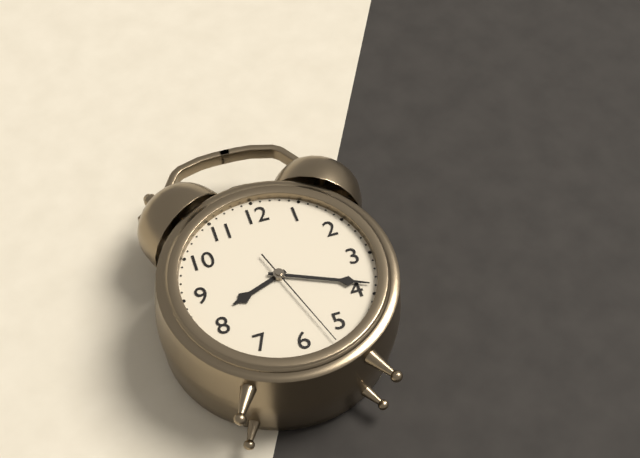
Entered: 8,19,27
